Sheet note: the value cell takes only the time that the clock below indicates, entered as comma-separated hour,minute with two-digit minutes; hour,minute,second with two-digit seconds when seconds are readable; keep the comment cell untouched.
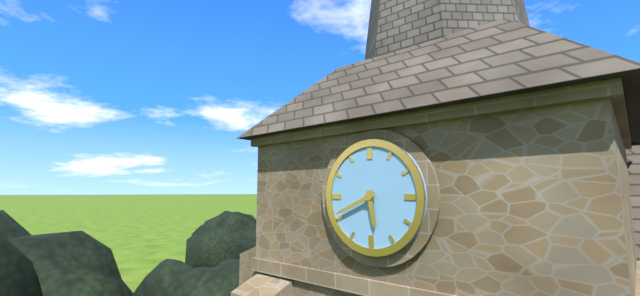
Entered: 5,41
